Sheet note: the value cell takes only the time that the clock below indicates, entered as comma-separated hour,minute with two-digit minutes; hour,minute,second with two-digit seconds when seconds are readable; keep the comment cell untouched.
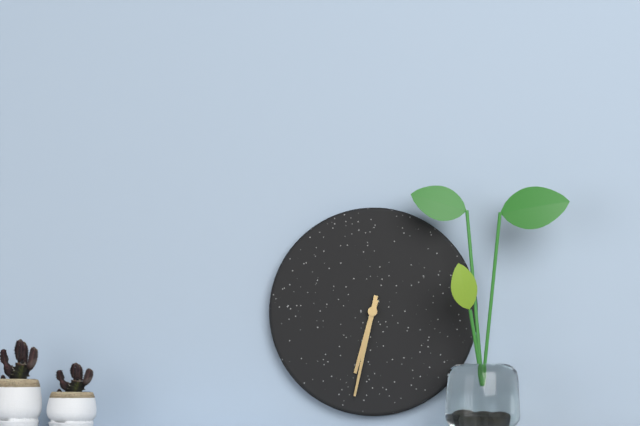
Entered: 6,32
